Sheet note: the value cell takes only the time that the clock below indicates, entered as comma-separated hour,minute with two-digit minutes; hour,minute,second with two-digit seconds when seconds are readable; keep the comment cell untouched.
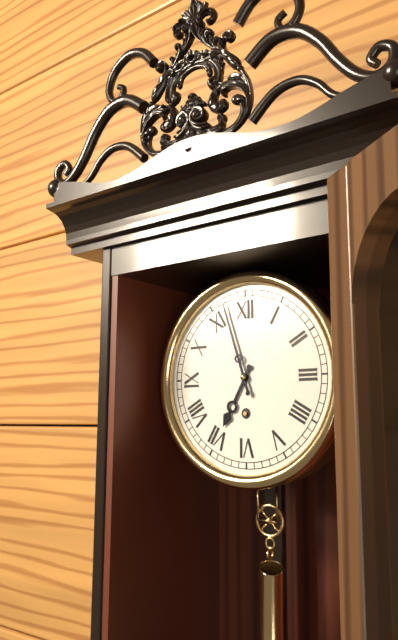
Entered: 6,57
